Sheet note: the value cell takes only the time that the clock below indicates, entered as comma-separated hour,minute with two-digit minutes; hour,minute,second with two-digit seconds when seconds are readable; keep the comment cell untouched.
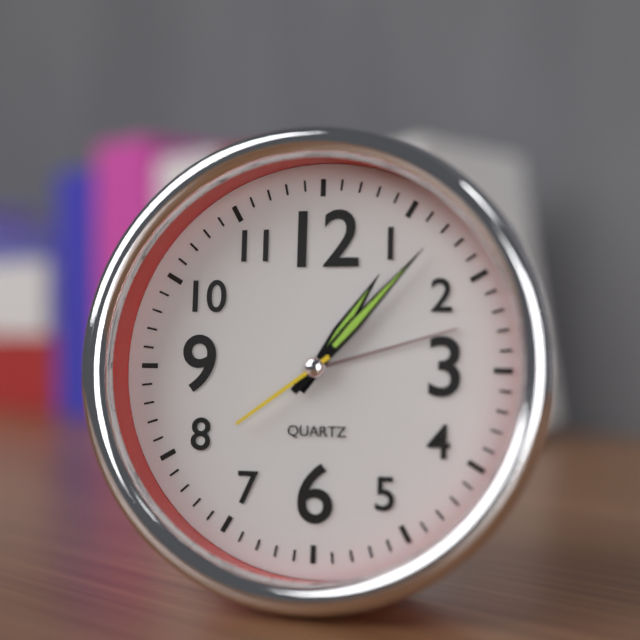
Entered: 1,07,39
